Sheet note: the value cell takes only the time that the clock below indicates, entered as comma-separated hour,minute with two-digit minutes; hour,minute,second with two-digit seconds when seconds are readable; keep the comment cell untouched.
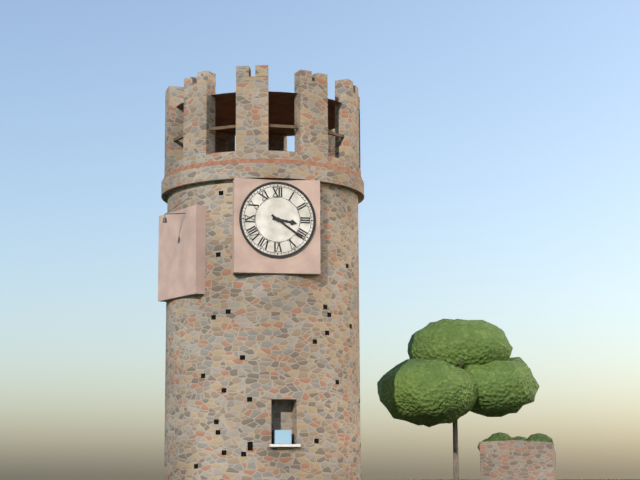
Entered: 3,21
